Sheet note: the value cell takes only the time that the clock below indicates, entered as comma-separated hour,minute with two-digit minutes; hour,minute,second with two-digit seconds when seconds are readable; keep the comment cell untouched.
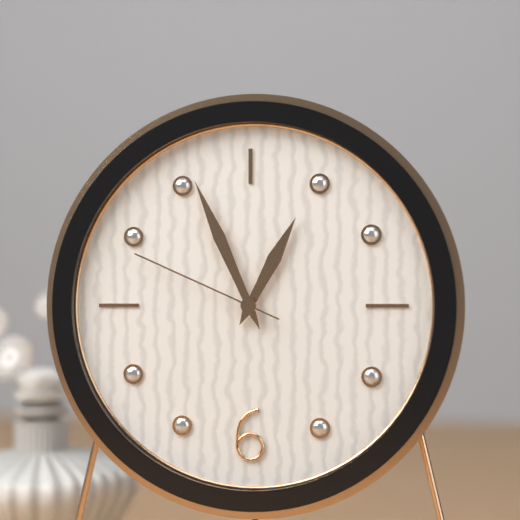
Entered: 12,56,49
